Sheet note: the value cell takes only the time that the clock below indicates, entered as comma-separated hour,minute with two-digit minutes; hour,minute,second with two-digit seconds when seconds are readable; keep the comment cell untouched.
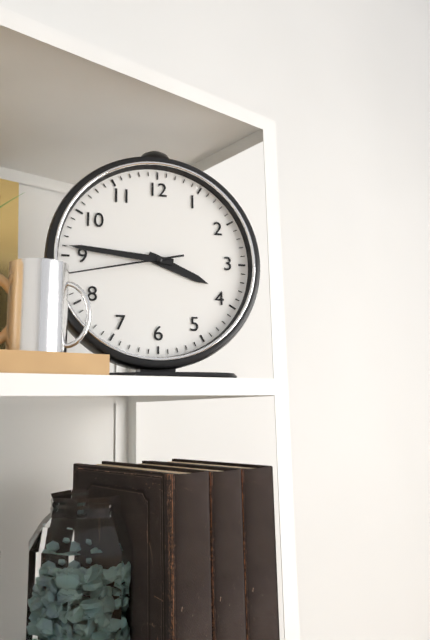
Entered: 3,46,43
